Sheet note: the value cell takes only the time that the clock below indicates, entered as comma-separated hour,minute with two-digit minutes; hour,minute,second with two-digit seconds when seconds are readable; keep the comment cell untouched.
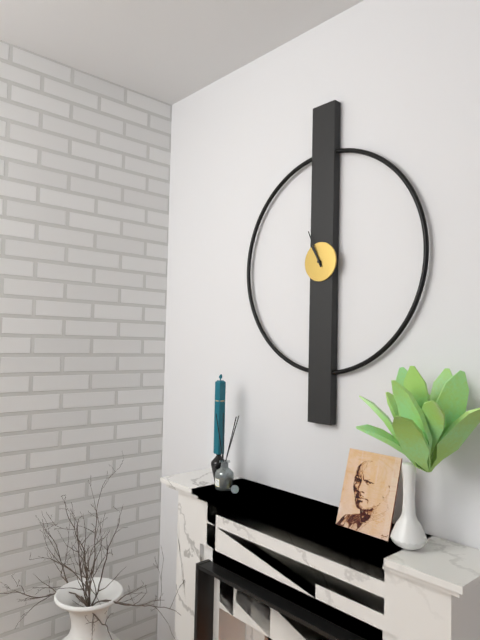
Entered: 10,56
